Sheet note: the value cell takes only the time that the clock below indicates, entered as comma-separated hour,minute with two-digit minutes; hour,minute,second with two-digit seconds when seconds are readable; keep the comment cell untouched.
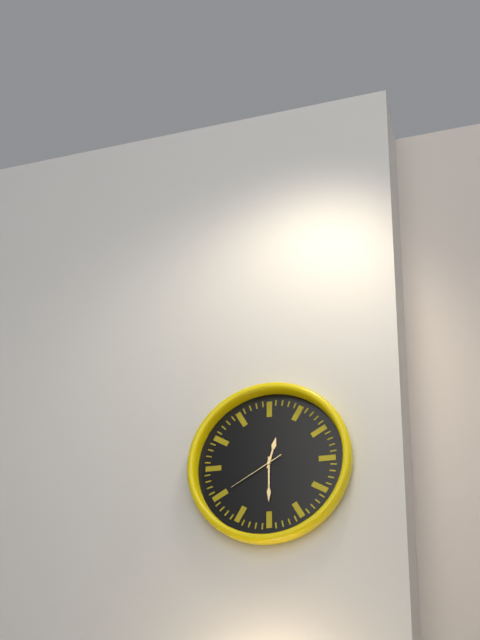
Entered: 12,30,40
